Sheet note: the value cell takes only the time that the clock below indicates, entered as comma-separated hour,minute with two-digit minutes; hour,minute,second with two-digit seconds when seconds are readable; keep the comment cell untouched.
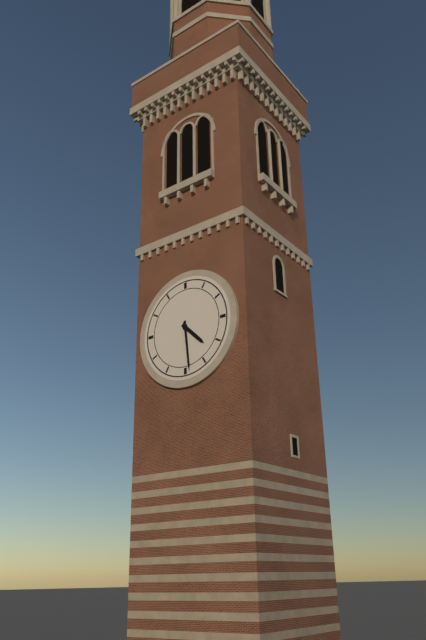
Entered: 4,29
